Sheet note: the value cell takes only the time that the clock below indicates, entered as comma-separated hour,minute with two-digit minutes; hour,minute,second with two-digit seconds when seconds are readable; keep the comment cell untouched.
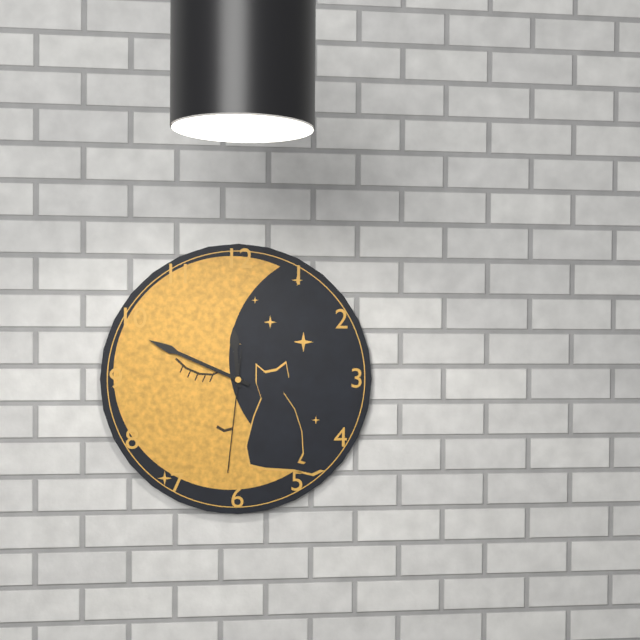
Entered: 11,49,31
